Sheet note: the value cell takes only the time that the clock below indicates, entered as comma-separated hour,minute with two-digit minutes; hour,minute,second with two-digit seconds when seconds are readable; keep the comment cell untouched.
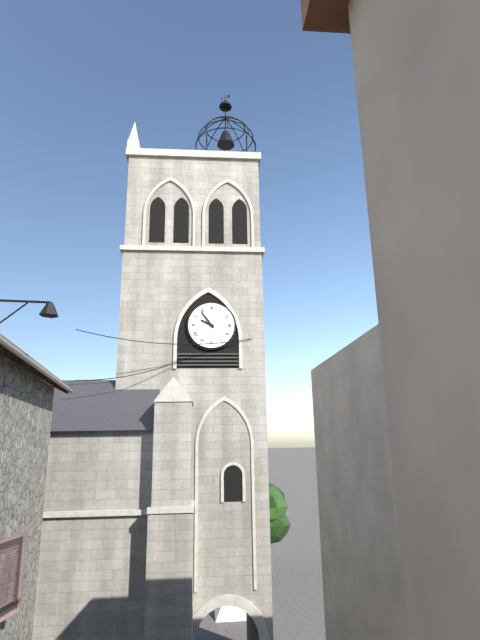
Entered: 9,54
